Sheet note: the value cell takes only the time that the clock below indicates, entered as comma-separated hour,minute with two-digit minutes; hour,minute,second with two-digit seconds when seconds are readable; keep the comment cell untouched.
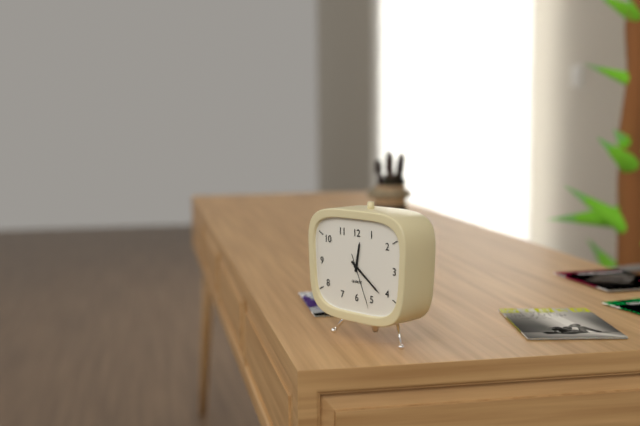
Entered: 12,21,26
